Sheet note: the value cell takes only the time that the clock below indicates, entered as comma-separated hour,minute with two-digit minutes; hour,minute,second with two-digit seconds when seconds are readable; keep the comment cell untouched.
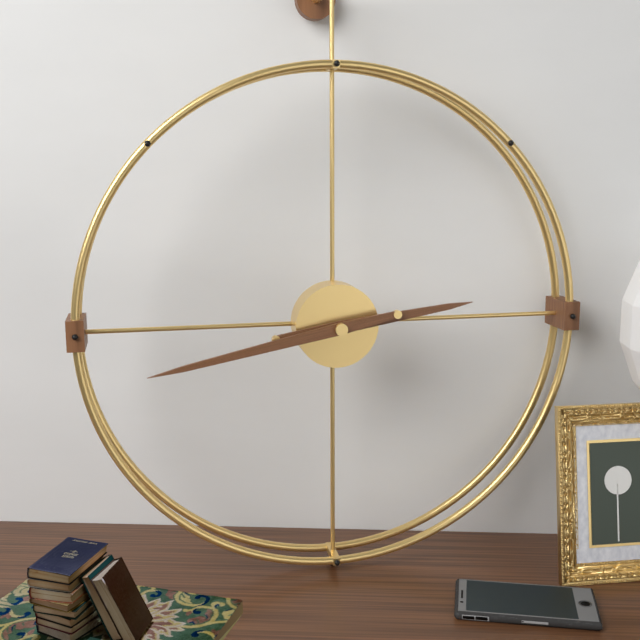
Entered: 2,43
